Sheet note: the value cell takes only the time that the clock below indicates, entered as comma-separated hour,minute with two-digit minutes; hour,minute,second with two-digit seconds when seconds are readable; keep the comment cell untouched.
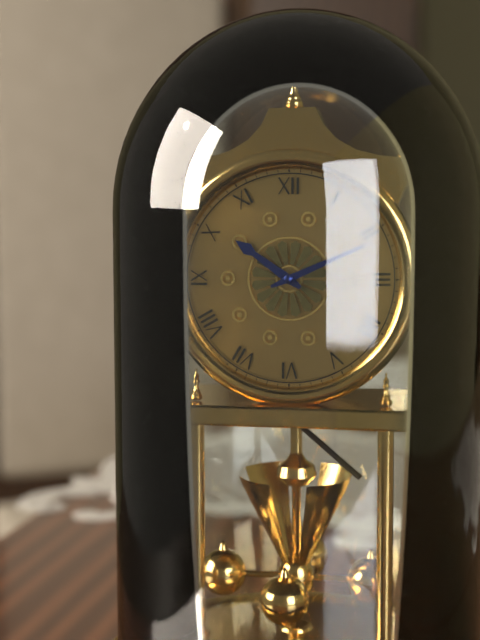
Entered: 10,11
